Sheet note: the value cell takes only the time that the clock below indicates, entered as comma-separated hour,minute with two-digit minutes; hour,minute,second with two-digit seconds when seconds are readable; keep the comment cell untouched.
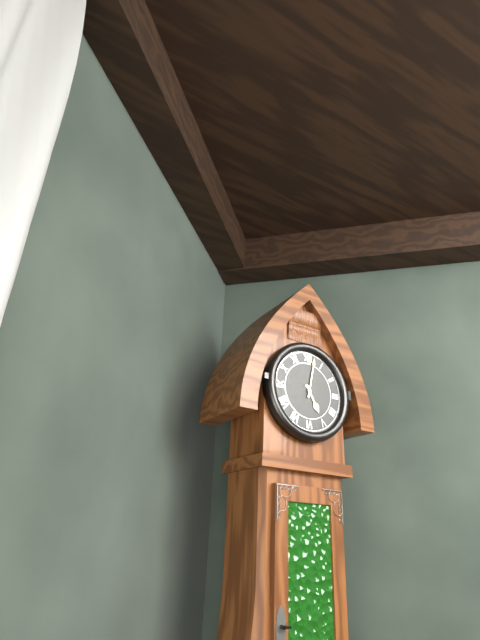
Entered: 5,02
